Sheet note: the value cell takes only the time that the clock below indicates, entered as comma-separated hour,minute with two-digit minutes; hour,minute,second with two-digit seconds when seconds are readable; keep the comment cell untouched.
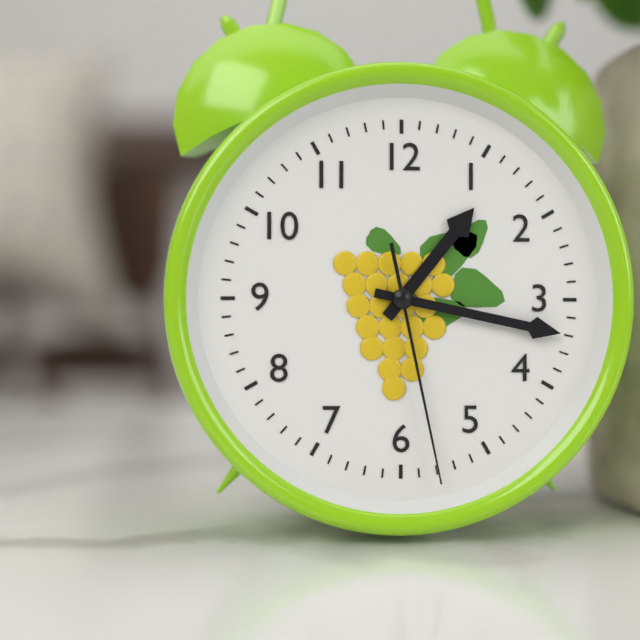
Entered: 1,17,28
